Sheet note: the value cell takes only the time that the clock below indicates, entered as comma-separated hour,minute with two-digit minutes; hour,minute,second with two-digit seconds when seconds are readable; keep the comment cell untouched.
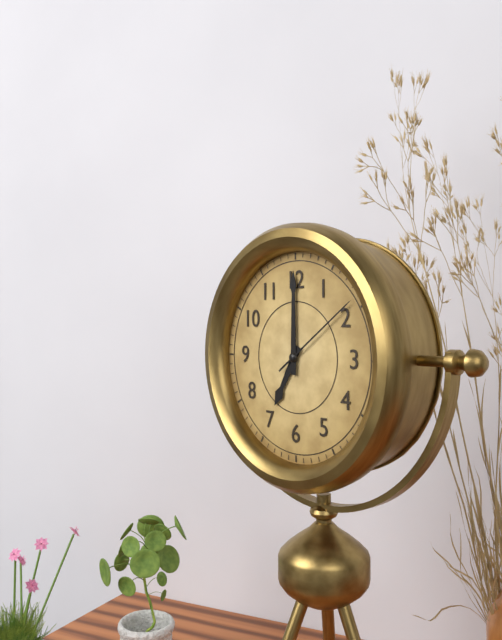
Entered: 7,00,09
